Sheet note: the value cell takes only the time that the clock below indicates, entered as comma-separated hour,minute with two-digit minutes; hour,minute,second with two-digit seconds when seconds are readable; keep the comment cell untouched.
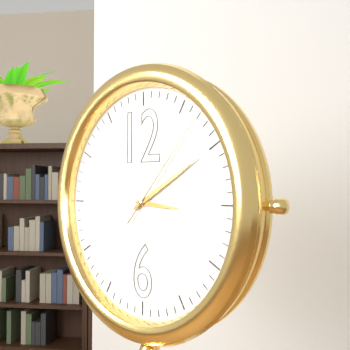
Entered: 3,10,07
